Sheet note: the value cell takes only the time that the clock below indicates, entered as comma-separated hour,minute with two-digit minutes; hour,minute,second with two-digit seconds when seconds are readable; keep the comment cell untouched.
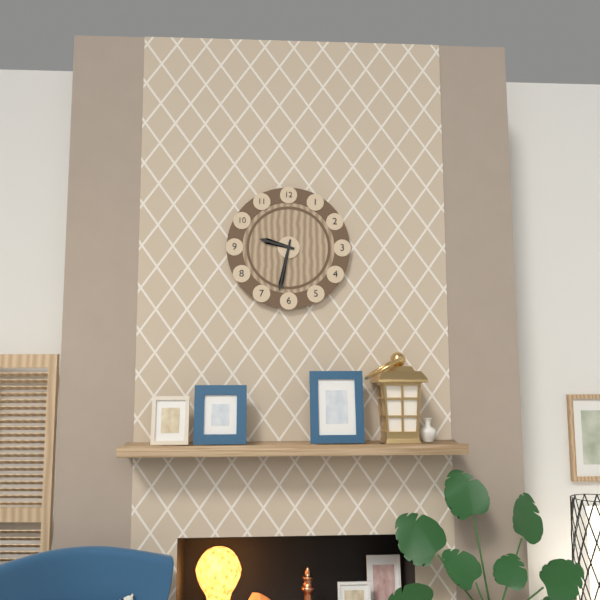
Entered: 9,32
